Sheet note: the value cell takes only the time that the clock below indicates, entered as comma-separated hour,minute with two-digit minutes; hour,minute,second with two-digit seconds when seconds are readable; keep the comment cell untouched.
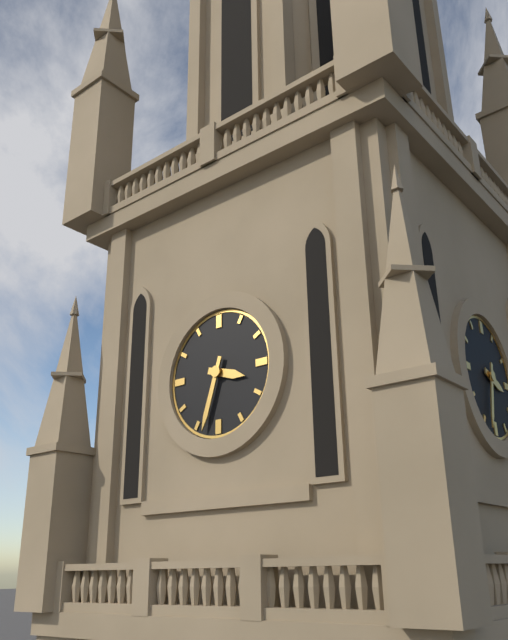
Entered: 3,33
